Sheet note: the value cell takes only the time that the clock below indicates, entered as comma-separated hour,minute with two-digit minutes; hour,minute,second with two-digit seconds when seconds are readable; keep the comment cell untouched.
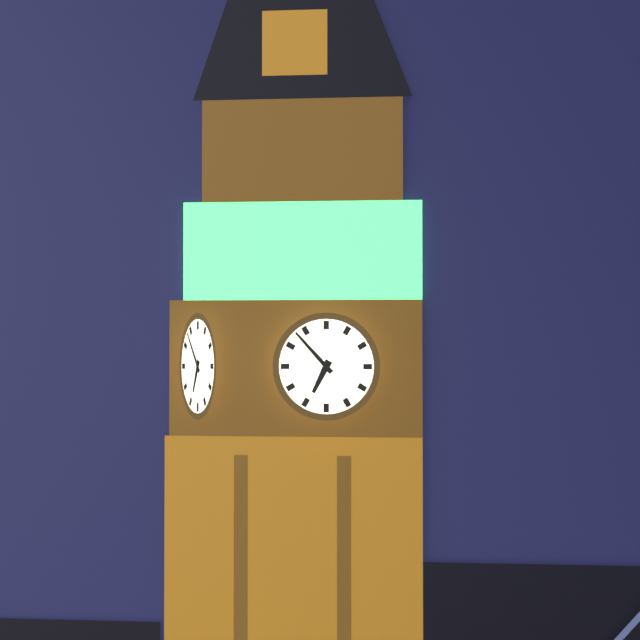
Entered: 6,53
